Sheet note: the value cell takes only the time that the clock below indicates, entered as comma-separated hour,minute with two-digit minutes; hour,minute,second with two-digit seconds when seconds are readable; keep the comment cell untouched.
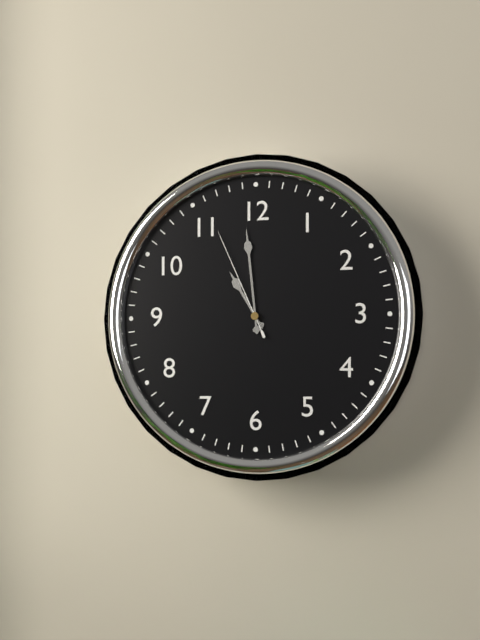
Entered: 10,59,56
